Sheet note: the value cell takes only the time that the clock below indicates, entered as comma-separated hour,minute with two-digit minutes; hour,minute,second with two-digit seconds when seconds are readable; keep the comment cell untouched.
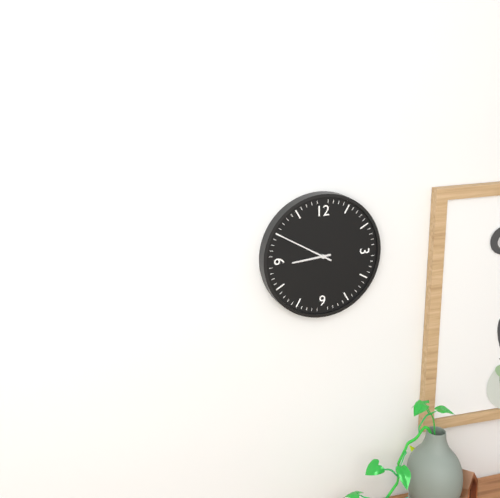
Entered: 8,50
